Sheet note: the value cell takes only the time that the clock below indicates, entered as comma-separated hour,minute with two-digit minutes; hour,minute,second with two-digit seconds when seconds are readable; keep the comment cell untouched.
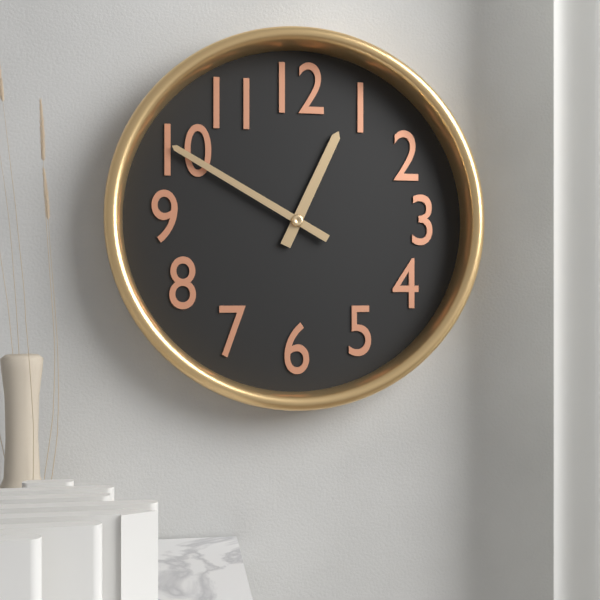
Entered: 12,50
